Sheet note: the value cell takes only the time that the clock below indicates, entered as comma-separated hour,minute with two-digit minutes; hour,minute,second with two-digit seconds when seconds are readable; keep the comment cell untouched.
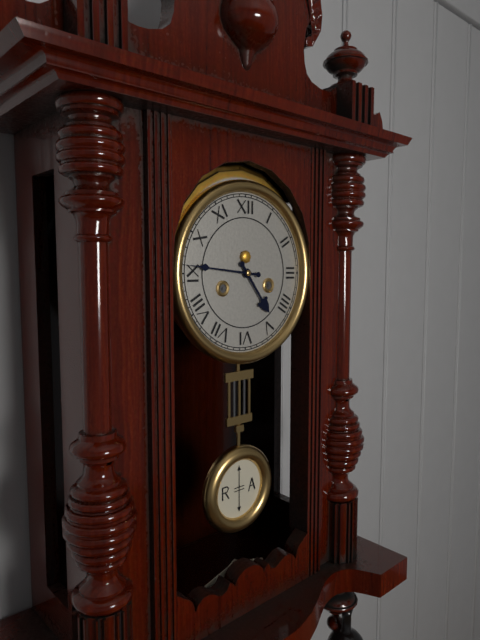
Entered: 4,46
